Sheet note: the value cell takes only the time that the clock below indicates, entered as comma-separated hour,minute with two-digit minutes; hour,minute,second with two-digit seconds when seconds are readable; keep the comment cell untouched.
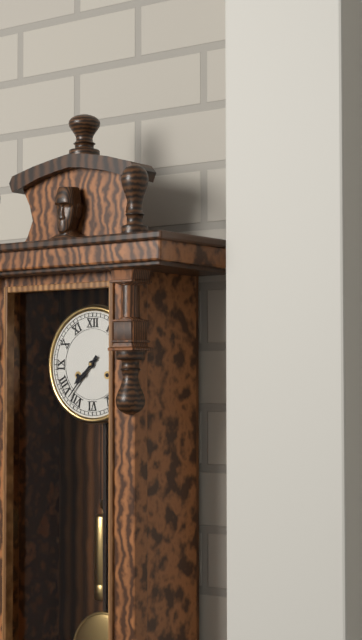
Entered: 7,37
